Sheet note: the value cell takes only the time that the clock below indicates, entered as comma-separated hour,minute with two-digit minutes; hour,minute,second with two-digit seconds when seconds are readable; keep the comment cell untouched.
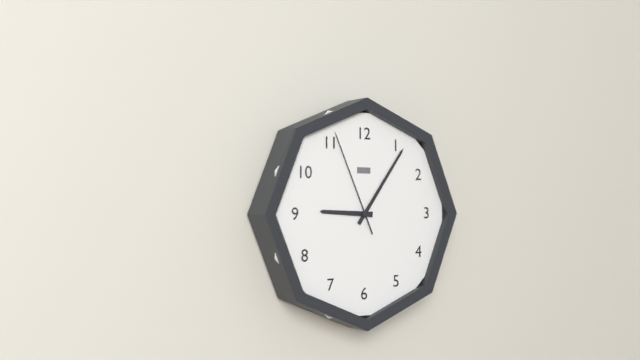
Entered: 9,06,56
